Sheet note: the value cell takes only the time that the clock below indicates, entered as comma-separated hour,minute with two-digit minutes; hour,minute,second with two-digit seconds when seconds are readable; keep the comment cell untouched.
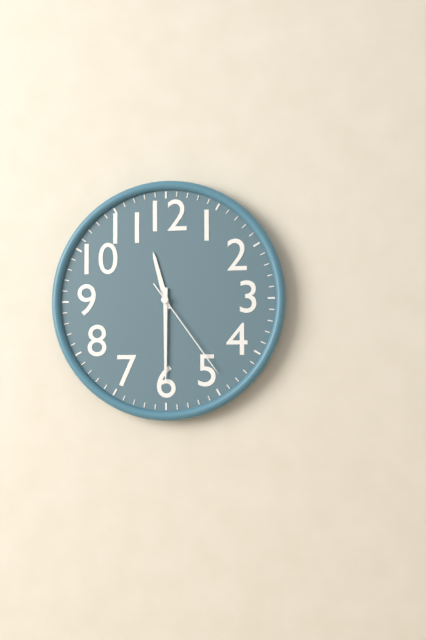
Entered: 11,30,24
